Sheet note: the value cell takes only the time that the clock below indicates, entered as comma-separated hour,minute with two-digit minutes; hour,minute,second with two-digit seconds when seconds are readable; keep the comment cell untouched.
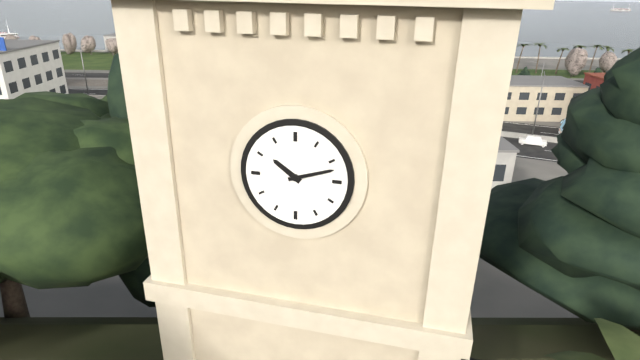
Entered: 10,12
